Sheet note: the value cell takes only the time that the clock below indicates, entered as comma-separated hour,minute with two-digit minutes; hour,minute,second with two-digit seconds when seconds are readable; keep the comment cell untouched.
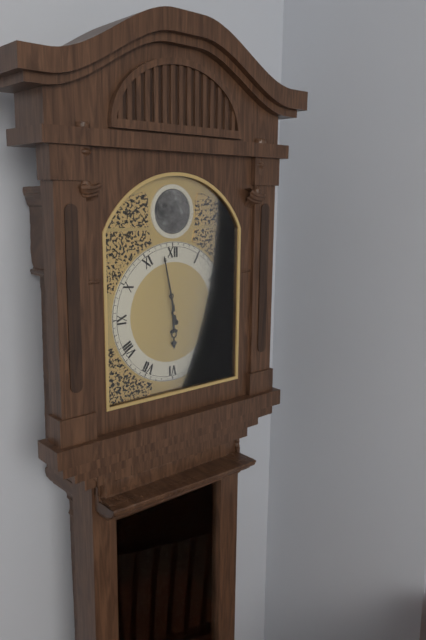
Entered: 5,58
